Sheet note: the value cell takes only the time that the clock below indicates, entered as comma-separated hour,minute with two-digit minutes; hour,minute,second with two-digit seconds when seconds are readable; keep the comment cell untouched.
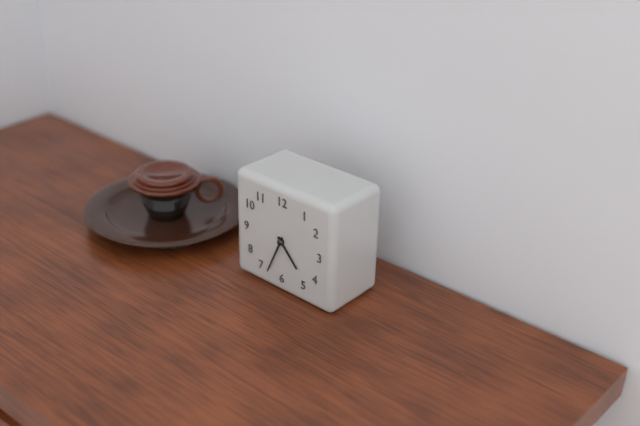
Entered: 4,34
